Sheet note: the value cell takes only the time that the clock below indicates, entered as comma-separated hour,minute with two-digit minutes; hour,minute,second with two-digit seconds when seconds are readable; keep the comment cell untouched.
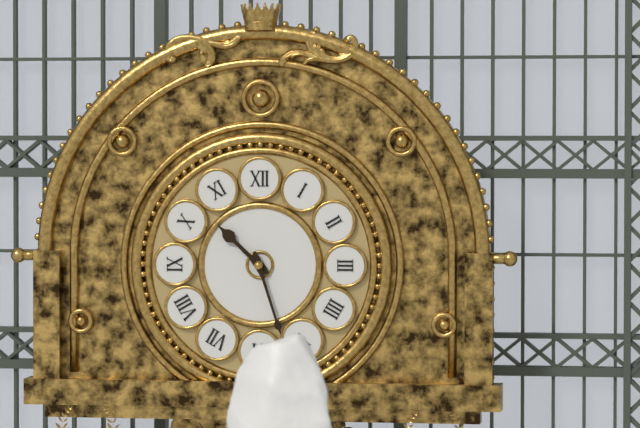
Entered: 10,27
